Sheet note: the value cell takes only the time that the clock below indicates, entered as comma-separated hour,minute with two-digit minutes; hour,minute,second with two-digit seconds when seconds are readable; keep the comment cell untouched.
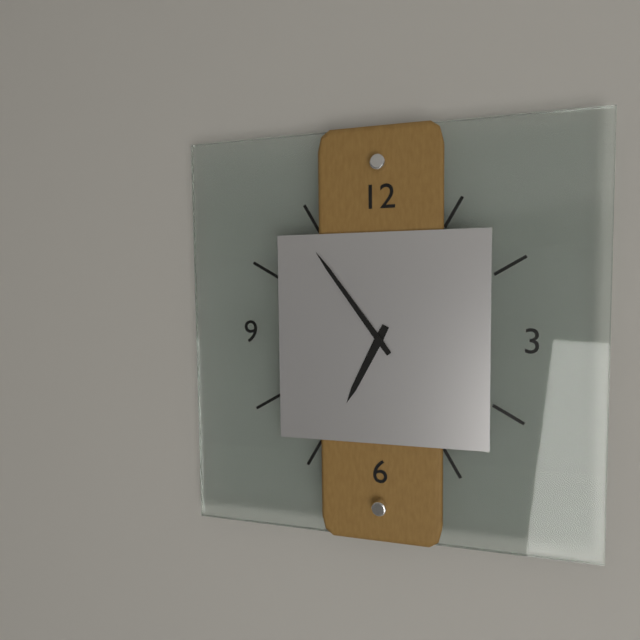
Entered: 6,54
